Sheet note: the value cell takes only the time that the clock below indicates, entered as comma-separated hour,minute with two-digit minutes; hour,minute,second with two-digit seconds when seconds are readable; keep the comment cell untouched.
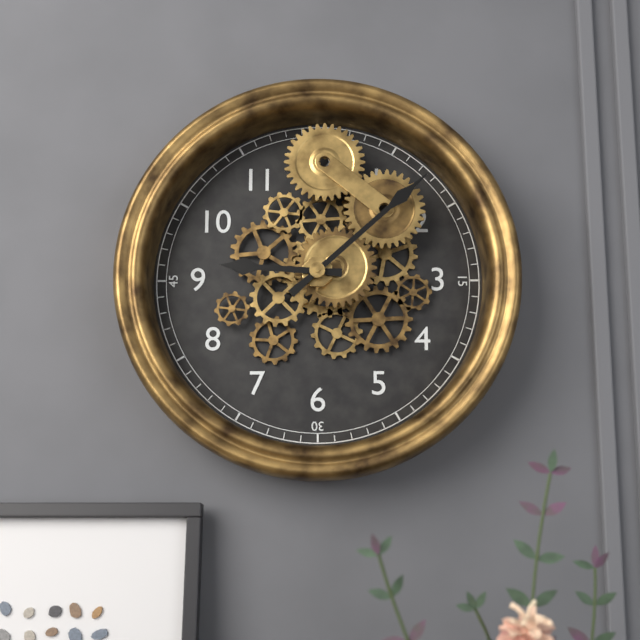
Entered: 9,08
